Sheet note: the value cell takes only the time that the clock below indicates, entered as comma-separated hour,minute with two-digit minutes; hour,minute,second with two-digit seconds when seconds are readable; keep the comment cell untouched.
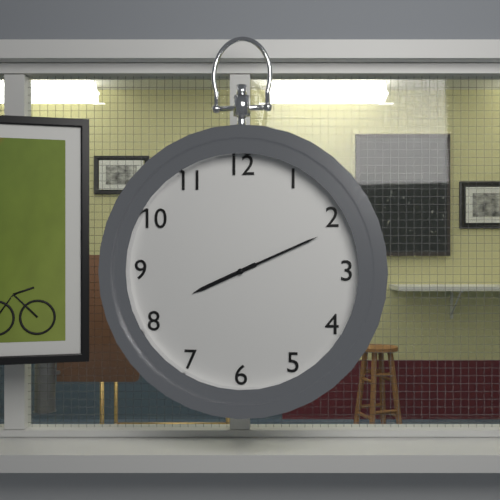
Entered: 8,11
